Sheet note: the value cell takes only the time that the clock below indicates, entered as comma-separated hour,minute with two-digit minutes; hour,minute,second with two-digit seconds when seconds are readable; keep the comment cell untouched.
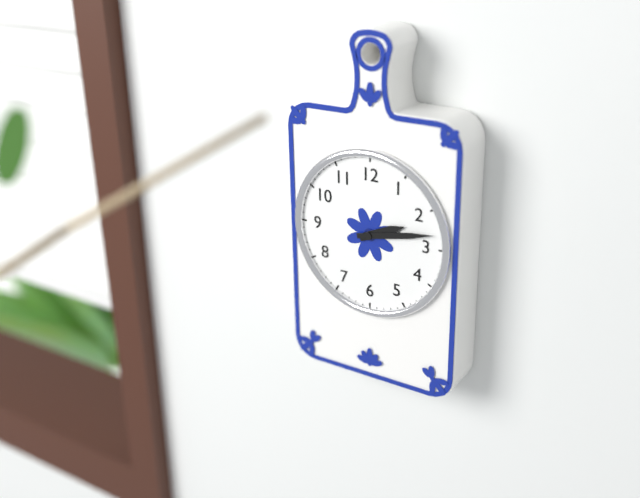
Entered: 2,13
